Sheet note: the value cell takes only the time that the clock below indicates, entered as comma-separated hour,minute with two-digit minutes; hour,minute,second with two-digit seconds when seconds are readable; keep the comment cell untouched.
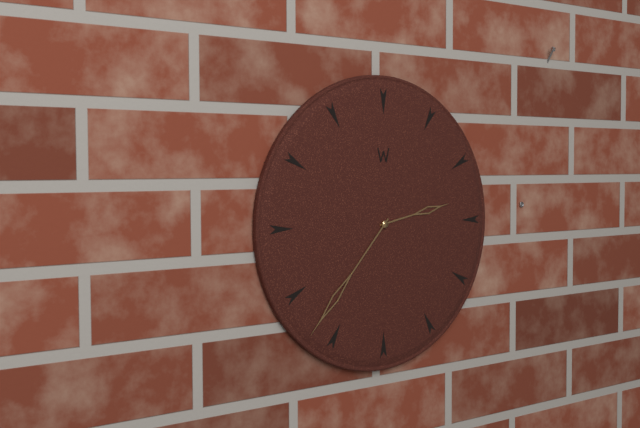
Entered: 2,37
